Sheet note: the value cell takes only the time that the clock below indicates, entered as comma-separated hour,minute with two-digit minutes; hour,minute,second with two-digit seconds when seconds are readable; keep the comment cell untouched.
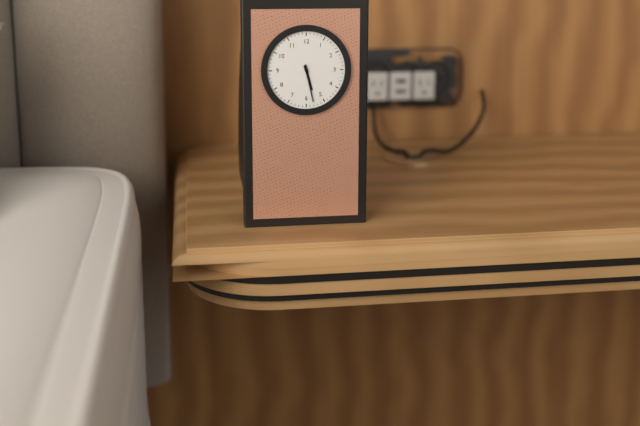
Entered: 5,28
